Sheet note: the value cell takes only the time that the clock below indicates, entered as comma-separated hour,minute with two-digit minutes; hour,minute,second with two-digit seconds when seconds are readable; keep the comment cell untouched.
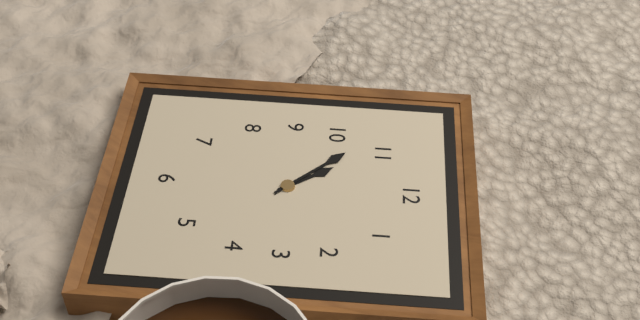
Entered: 10,53
